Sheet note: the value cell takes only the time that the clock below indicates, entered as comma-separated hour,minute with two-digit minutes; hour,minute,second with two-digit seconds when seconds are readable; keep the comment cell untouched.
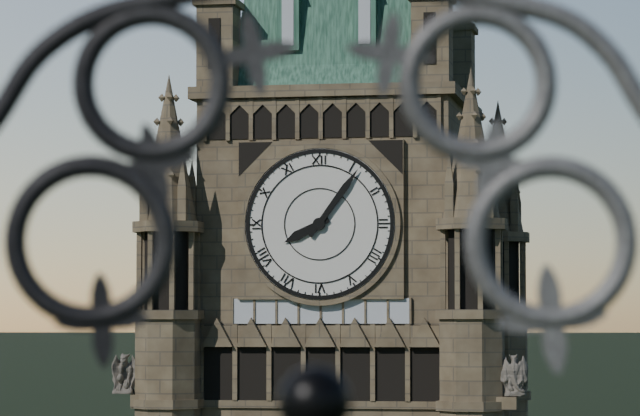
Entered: 8,06
